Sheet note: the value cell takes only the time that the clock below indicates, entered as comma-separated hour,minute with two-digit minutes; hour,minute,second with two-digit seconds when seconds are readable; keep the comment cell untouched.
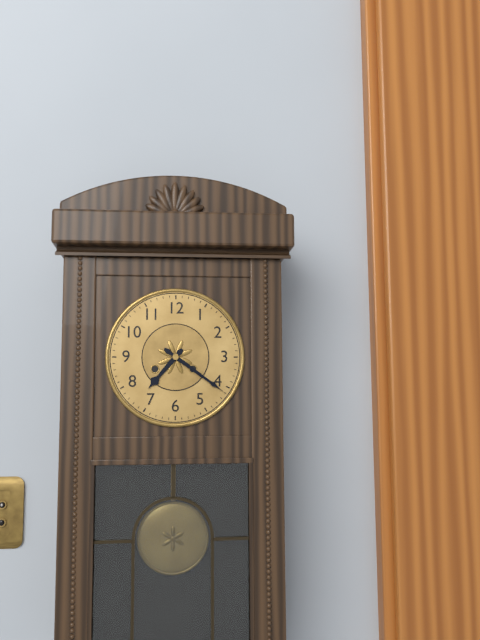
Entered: 7,21
